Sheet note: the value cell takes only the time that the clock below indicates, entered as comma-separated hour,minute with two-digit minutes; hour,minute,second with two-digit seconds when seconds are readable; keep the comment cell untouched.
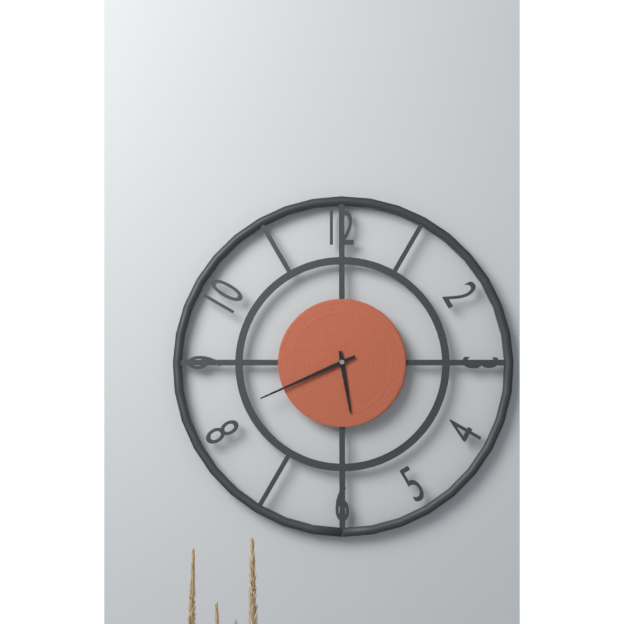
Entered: 5,41
